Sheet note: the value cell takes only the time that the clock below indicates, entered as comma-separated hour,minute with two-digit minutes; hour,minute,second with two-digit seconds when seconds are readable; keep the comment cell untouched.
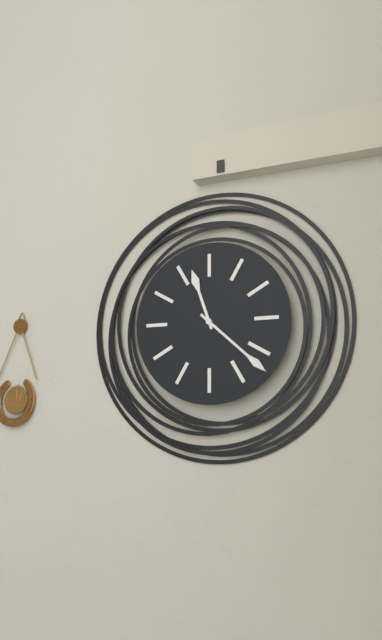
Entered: 11,22
